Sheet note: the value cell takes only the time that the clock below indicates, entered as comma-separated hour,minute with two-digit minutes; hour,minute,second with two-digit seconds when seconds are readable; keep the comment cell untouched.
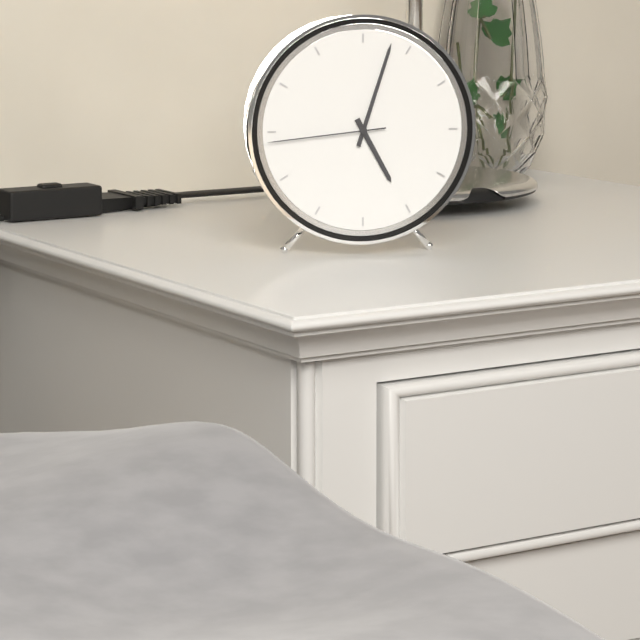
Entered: 5,03,44
